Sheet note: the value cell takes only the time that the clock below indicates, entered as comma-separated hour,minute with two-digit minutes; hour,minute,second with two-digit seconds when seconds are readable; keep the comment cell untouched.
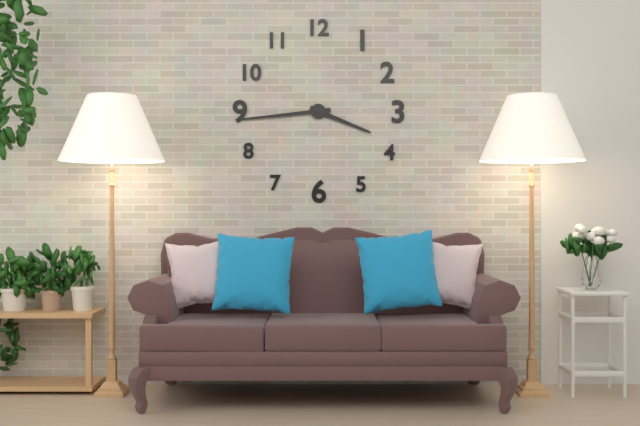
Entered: 3,44
